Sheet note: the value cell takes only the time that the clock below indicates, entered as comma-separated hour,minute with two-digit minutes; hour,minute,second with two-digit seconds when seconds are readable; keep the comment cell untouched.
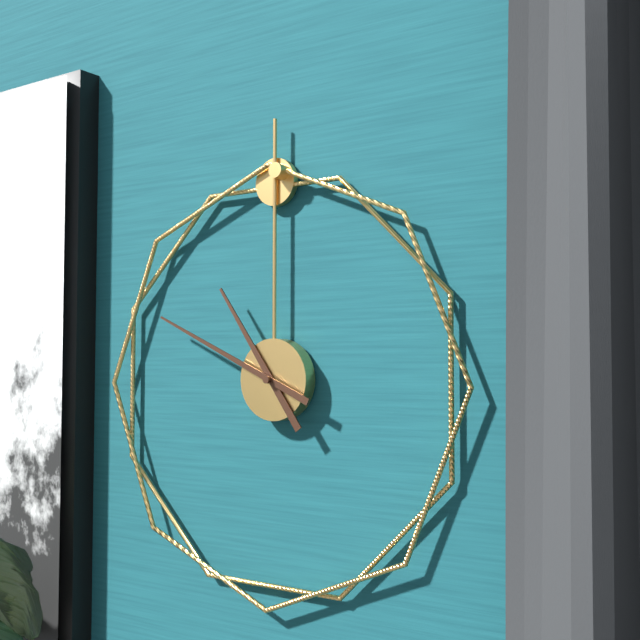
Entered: 10,49
